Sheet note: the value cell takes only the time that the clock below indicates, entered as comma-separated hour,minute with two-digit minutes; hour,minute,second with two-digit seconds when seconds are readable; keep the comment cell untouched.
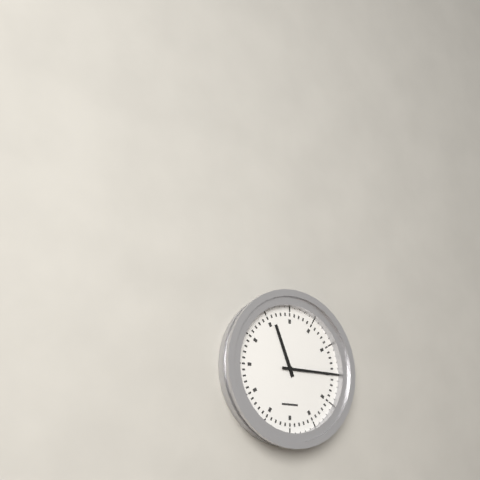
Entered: 11,15
